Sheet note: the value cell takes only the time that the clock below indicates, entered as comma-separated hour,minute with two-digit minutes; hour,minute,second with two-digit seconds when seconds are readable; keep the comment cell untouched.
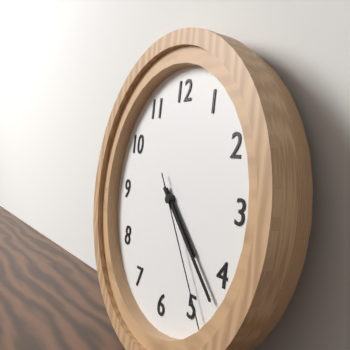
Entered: 4,22,24
